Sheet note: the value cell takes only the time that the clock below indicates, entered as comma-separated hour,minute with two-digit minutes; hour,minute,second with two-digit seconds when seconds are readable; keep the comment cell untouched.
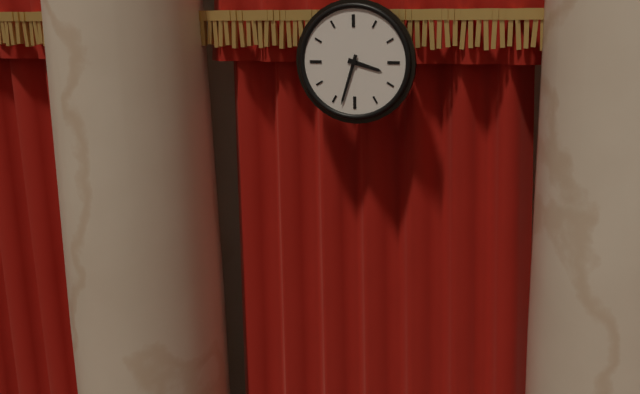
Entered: 3,33
